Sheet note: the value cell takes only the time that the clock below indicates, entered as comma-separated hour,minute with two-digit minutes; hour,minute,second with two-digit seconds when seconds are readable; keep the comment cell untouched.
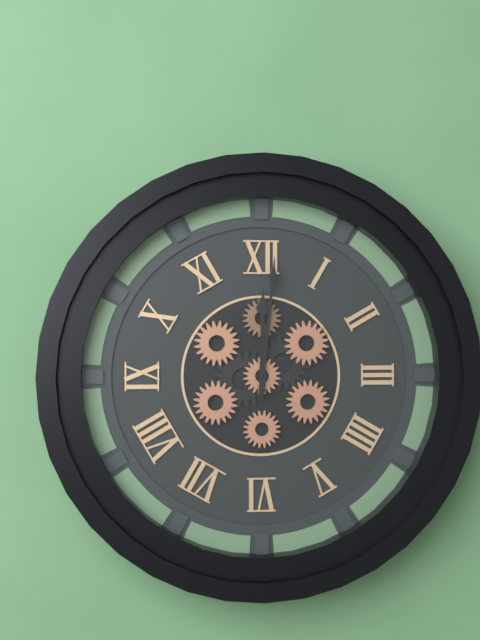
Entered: 12,01
